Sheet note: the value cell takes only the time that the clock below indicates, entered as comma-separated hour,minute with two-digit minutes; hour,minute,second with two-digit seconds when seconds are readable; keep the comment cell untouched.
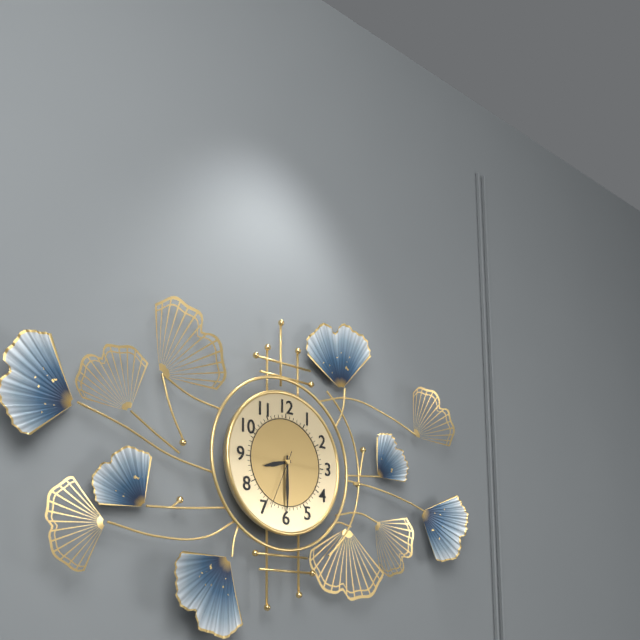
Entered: 8,30,34
